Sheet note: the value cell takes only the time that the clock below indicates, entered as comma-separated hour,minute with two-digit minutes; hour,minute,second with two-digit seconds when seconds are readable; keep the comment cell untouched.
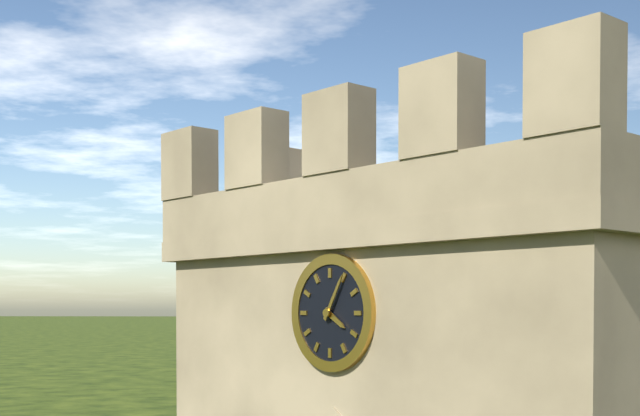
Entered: 4,05
